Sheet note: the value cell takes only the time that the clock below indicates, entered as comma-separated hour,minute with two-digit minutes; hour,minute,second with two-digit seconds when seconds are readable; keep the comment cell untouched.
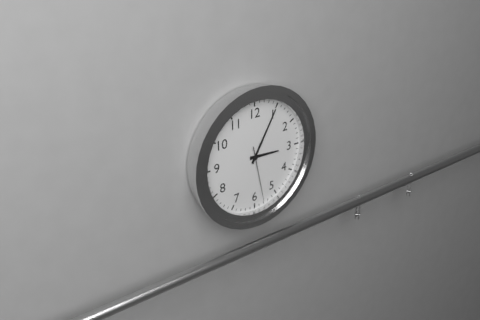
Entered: 3,05,28
